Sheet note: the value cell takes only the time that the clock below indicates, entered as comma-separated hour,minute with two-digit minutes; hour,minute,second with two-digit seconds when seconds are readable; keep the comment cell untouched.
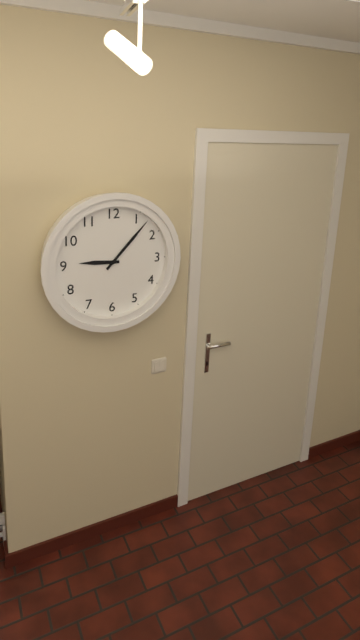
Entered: 9,07
